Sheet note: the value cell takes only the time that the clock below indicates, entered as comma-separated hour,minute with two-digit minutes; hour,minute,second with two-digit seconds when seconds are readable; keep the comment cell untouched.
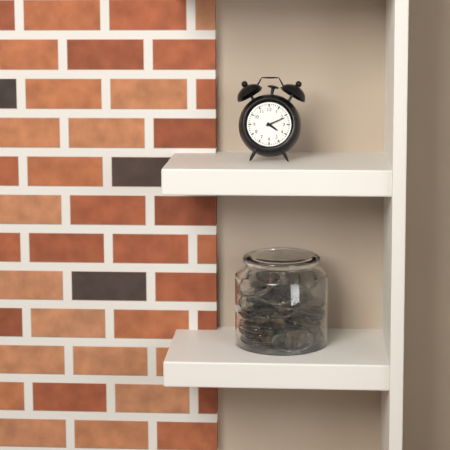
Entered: 4,11
